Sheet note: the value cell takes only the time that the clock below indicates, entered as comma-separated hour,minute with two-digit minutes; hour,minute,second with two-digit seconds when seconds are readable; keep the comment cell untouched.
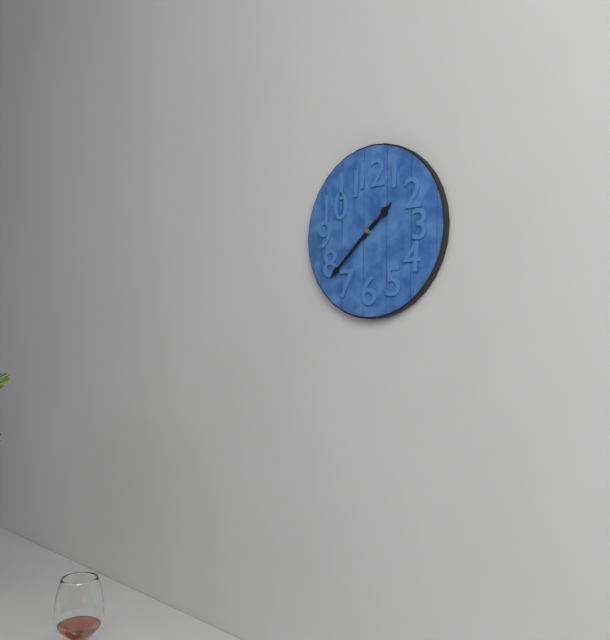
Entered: 1,38
